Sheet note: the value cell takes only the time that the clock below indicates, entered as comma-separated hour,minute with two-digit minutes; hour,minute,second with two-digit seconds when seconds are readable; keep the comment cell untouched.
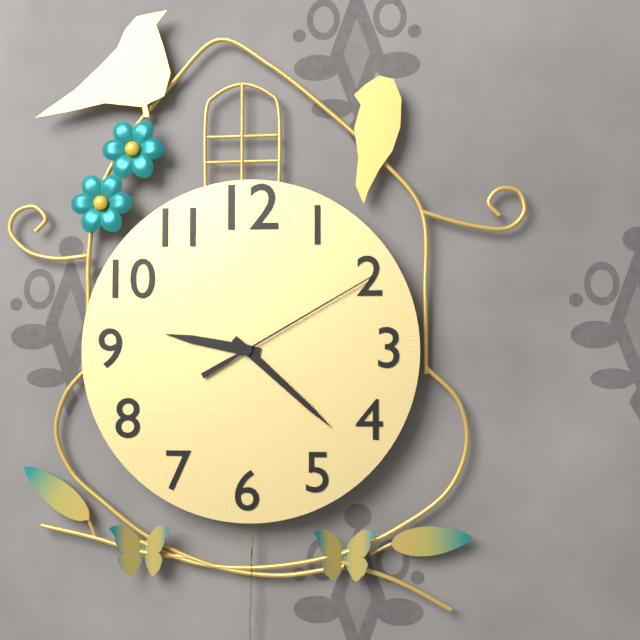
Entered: 9,22,10
